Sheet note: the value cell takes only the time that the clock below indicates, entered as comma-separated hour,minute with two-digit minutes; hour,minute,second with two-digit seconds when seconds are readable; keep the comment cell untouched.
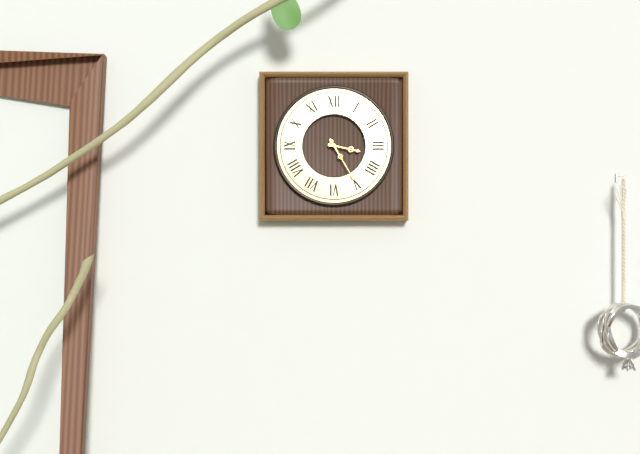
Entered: 3,25
